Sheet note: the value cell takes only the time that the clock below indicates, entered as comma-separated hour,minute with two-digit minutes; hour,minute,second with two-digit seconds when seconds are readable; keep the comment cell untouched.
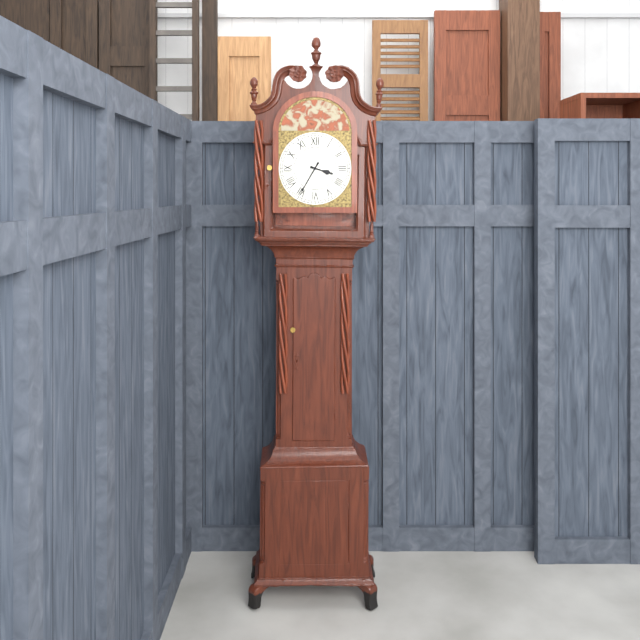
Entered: 3,35
